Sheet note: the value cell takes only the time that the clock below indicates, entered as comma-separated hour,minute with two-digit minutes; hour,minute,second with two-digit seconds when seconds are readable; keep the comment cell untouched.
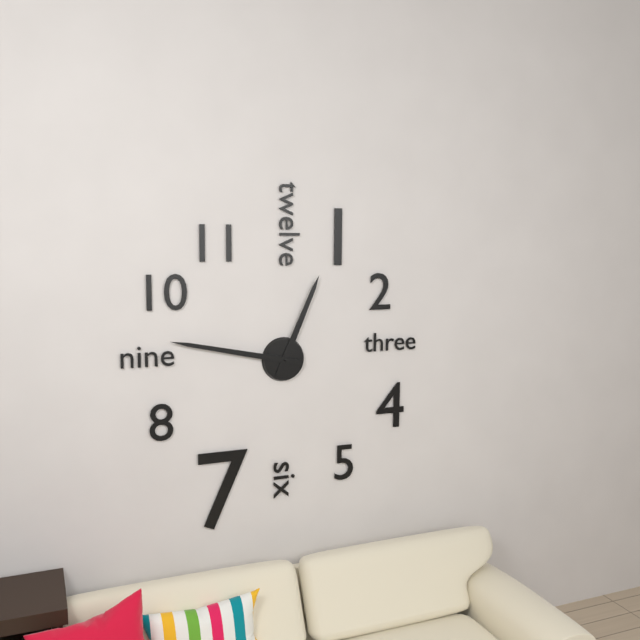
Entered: 12,47
